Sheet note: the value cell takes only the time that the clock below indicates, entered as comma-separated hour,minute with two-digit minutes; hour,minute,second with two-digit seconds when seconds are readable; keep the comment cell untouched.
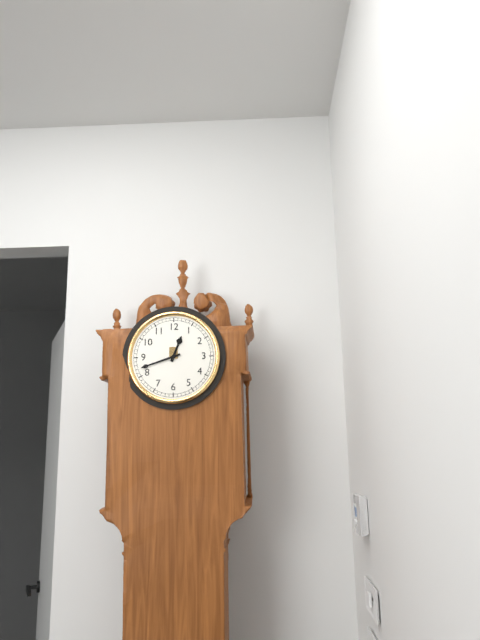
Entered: 12,42
